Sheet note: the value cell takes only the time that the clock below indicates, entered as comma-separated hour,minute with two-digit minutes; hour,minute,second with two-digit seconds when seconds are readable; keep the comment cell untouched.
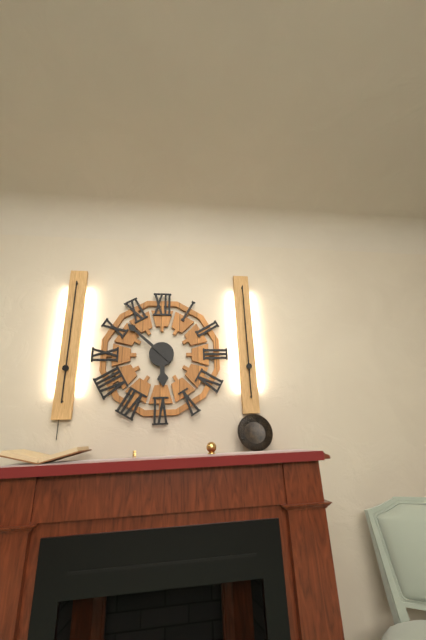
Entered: 5,52
